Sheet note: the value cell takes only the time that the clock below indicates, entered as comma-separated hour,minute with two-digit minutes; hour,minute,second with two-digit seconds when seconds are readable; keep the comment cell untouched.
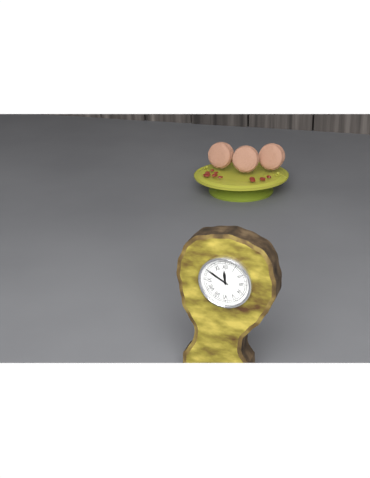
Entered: 11,50
